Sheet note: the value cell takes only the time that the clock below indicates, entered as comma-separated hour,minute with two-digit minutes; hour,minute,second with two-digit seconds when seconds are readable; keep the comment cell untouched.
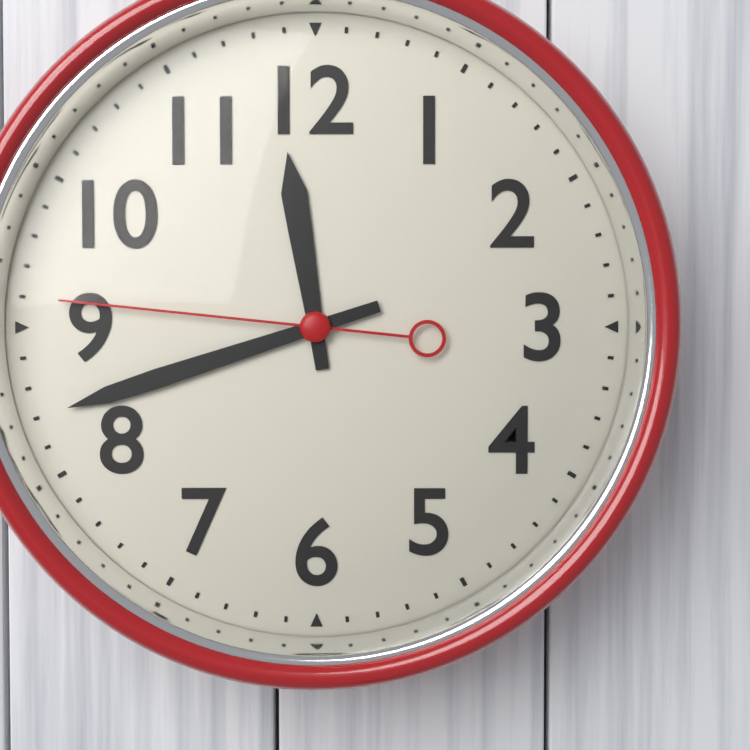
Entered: 11,42,46
